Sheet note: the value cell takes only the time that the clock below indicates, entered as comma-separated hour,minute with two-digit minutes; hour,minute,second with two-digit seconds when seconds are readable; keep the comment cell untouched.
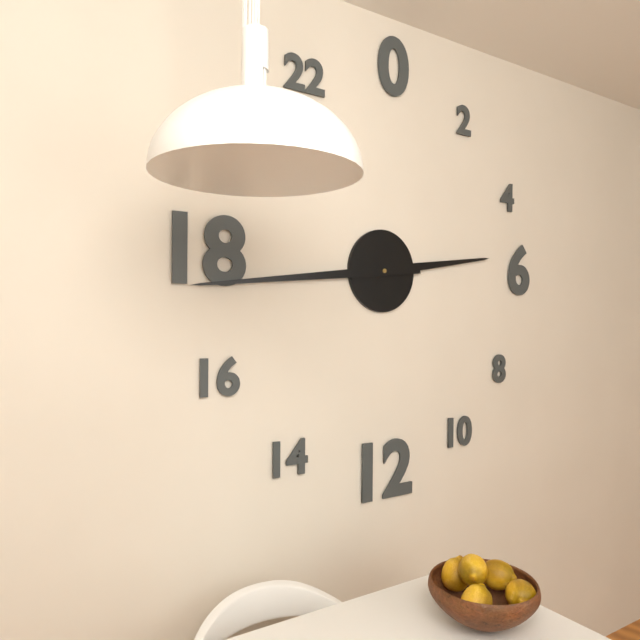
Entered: 2,44
